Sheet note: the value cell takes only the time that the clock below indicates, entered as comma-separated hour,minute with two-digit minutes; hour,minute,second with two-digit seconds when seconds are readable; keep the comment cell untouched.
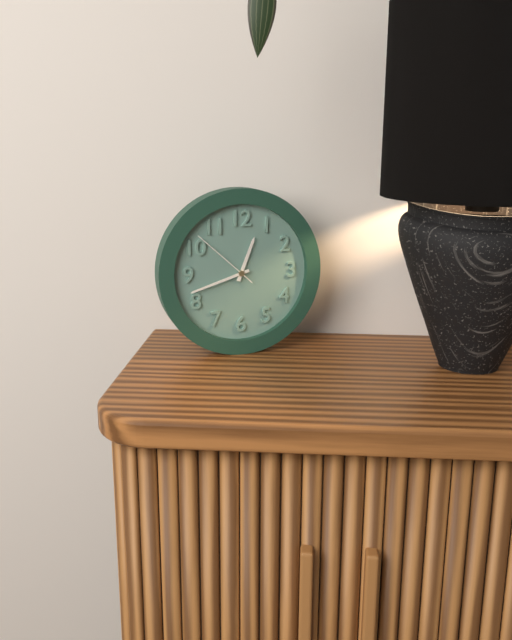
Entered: 12,42,52
